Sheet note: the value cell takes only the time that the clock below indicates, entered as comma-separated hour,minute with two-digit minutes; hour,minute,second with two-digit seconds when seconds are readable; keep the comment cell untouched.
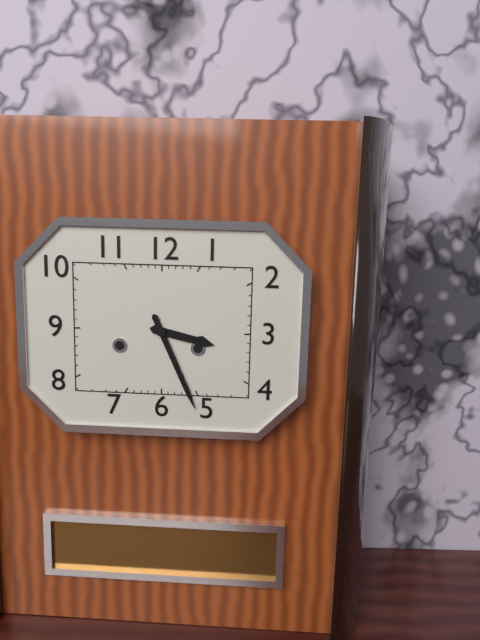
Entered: 3,26
